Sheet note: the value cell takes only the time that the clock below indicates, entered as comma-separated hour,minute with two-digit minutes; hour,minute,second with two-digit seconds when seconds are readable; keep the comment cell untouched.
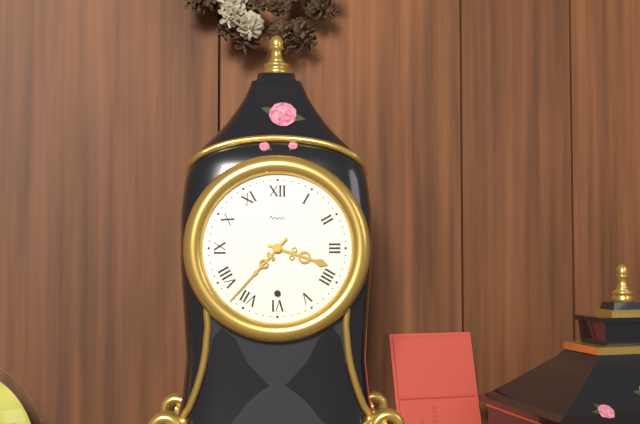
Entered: 3,37
